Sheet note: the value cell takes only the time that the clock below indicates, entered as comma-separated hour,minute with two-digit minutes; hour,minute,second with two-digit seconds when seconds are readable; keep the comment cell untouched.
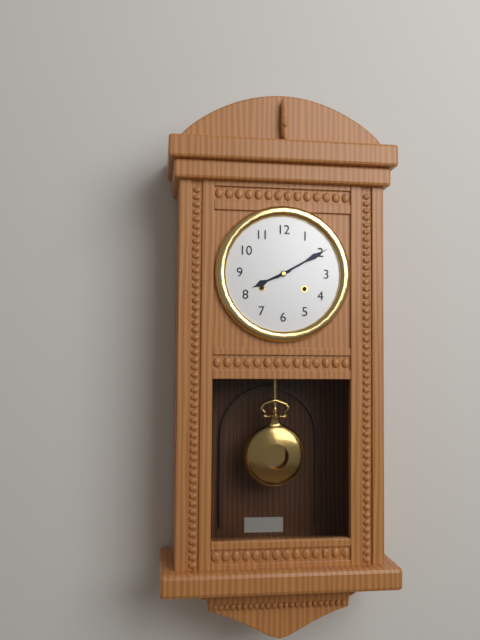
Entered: 8,10
